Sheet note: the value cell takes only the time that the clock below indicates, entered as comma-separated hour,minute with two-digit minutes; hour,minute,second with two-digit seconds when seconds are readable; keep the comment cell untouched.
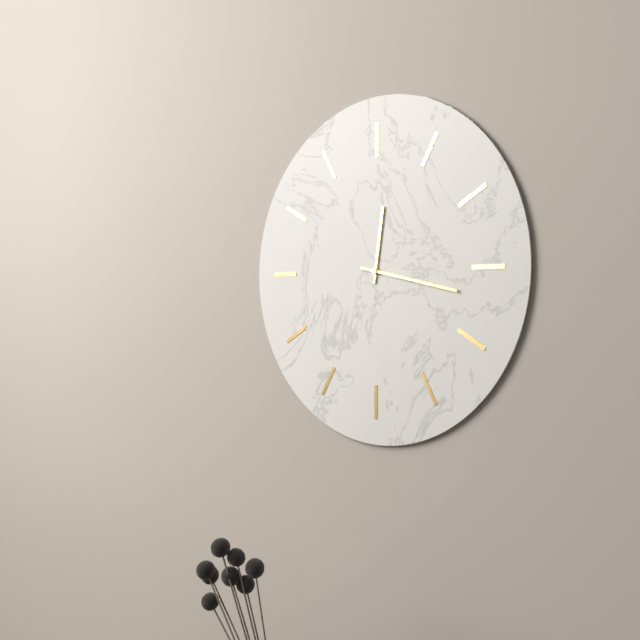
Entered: 12,17
